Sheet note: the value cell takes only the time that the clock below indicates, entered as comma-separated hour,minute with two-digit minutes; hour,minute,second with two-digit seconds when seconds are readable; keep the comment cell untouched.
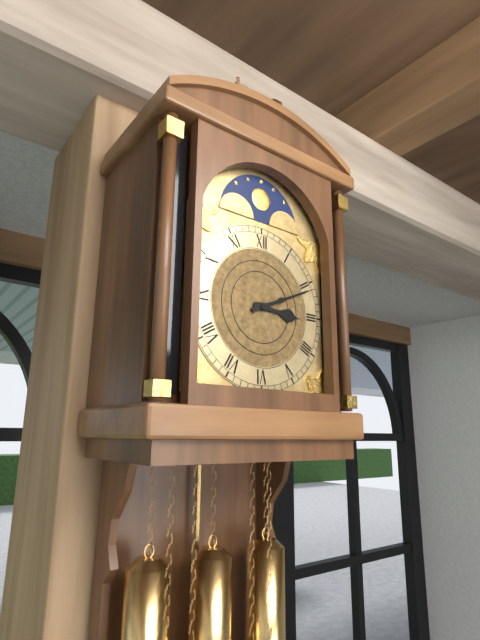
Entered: 3,11
